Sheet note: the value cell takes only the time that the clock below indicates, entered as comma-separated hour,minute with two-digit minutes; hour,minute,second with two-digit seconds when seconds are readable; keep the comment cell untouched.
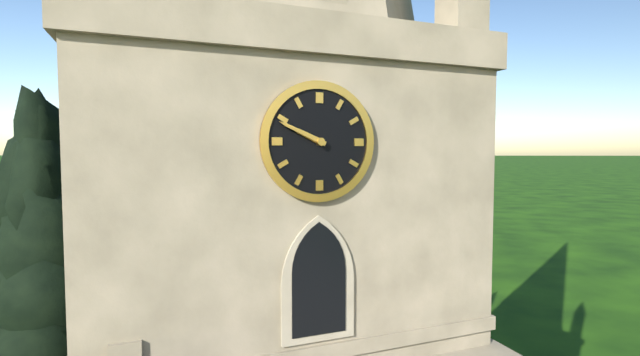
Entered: 9,49
